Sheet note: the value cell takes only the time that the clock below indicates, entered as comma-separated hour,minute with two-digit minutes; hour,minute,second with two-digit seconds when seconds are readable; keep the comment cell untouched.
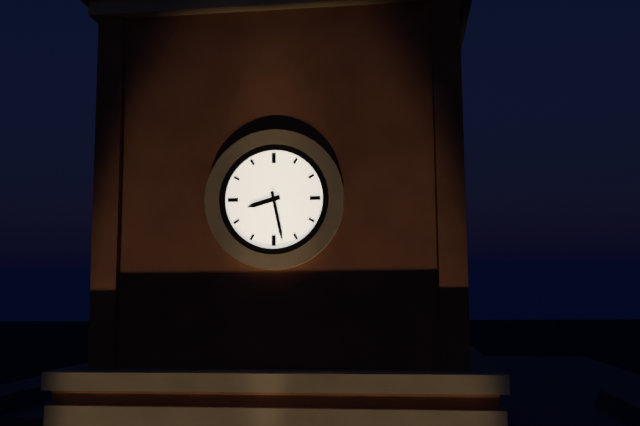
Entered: 8,28
